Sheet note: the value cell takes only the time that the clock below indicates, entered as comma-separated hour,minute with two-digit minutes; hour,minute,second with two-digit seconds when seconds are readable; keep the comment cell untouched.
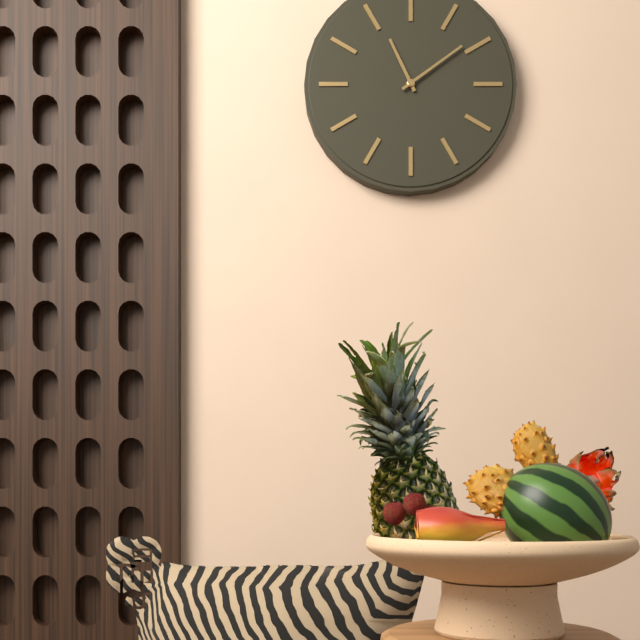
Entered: 11,09
